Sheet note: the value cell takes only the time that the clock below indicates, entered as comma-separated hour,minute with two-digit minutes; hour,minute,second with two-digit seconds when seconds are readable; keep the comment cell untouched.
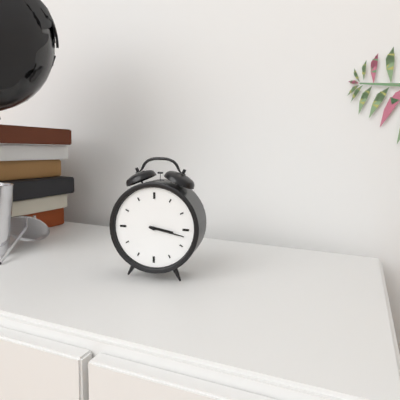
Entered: 3,17
